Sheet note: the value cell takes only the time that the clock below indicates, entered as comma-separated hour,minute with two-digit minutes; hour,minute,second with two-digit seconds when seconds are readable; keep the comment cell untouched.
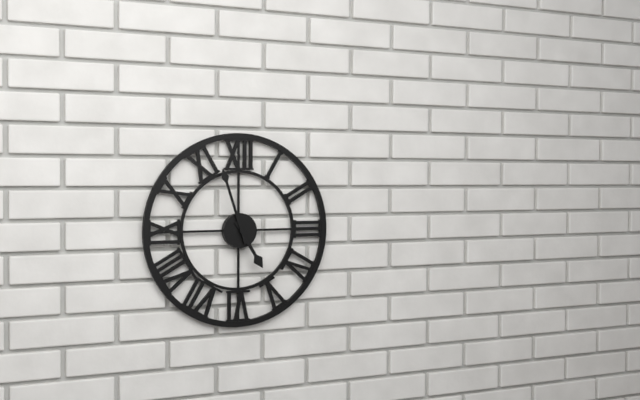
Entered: 4,57
